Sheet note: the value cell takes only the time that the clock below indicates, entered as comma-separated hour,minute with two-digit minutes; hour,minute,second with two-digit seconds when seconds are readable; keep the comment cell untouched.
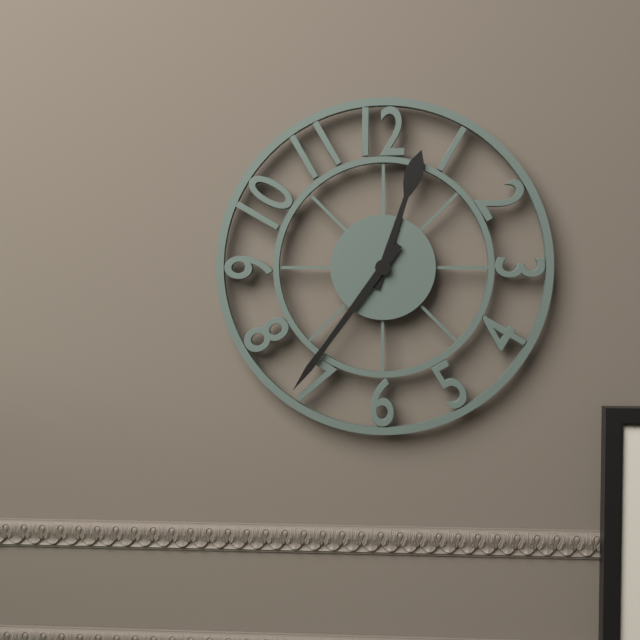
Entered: 12,36
